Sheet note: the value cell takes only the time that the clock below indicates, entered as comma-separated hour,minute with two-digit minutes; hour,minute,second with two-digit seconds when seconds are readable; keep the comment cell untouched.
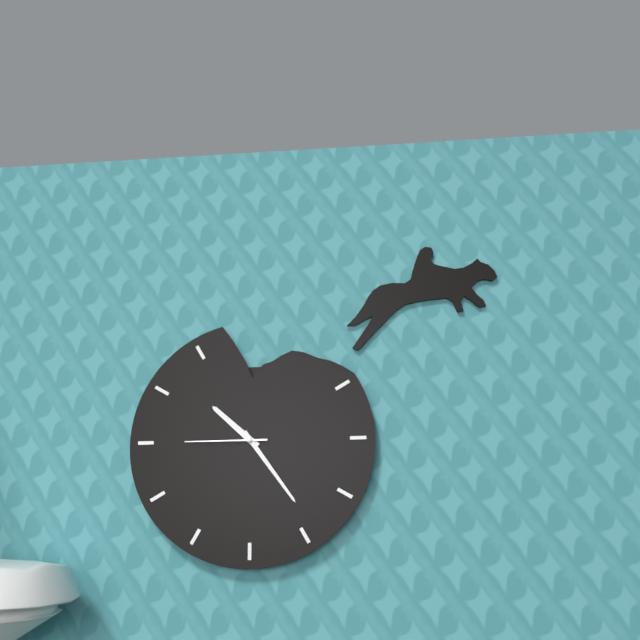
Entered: 10,24,45
